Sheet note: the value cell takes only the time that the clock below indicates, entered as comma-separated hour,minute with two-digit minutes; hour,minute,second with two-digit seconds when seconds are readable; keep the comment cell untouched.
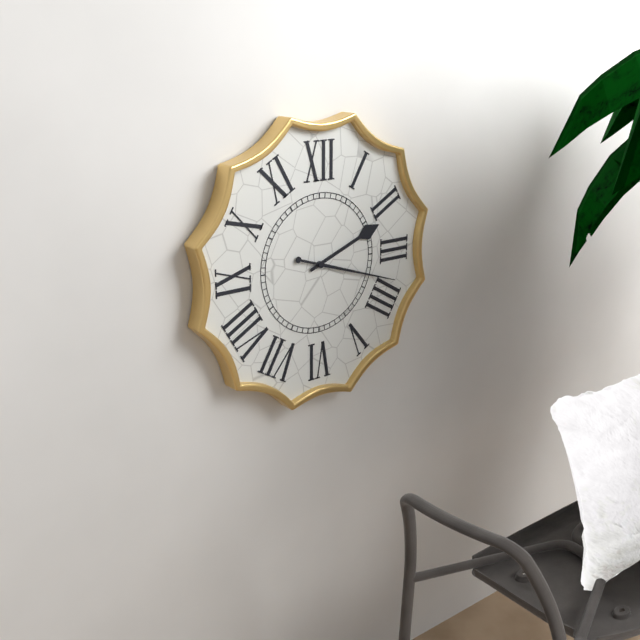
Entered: 2,18
